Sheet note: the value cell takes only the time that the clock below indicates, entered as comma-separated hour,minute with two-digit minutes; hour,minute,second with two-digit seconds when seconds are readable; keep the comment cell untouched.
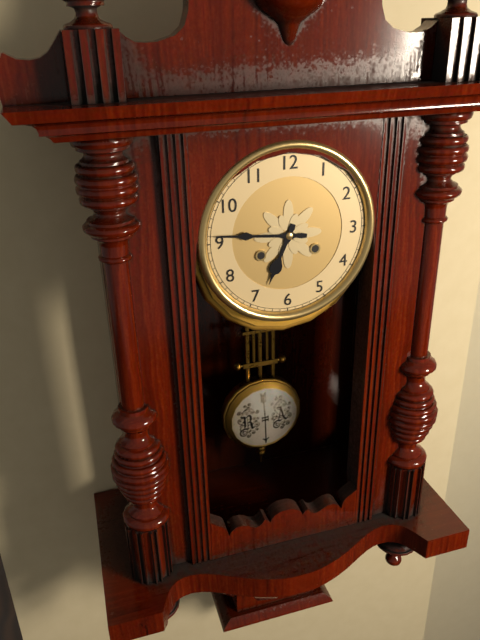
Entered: 6,46
